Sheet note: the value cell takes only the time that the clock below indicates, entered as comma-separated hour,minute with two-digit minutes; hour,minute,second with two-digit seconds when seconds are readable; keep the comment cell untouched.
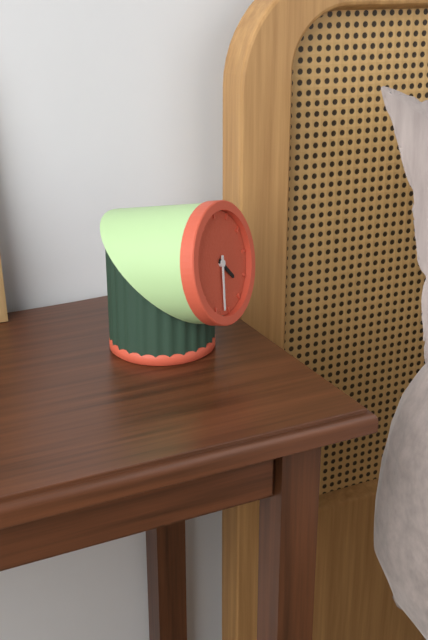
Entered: 4,32
